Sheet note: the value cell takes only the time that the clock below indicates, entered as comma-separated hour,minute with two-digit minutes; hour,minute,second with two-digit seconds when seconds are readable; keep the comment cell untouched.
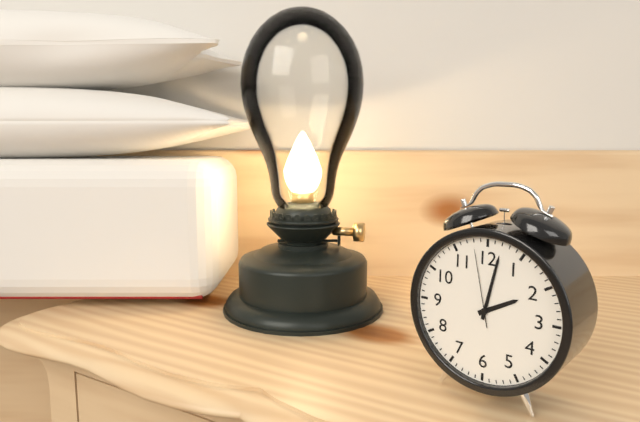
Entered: 2,02,58
